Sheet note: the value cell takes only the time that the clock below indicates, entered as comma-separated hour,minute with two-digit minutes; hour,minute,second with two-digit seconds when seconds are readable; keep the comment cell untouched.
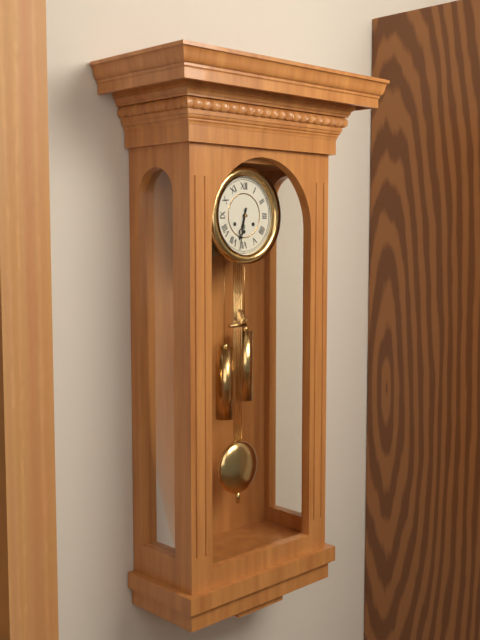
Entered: 6,32
